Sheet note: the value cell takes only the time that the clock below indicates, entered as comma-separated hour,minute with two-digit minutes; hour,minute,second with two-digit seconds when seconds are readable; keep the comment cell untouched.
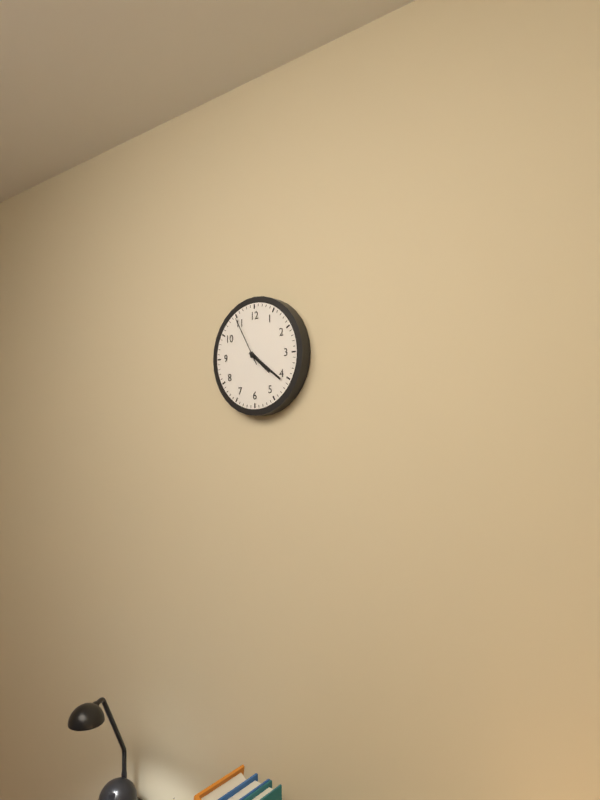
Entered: 4,21,55
